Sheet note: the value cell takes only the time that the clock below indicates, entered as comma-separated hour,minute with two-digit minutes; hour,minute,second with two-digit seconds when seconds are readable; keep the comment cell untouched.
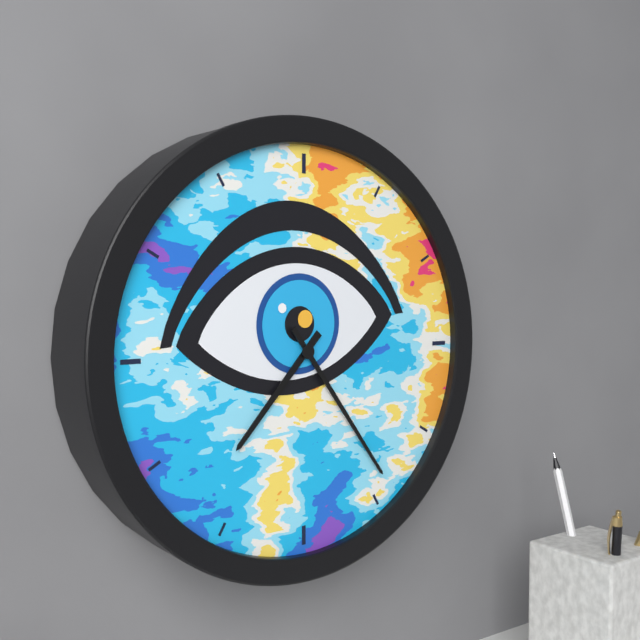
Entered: 7,24
